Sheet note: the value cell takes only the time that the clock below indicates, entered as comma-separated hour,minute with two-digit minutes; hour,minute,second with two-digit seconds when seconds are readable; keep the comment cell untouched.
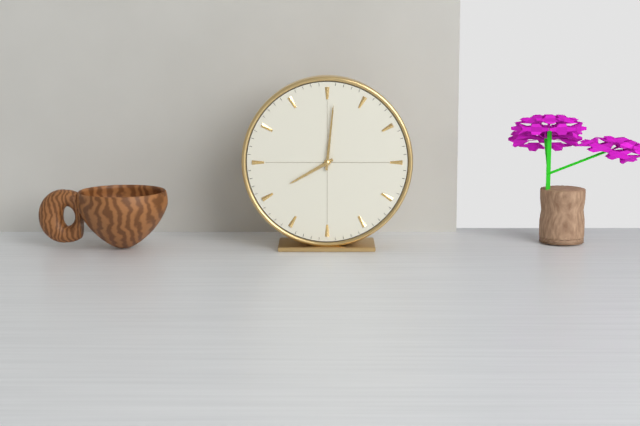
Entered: 8,01
